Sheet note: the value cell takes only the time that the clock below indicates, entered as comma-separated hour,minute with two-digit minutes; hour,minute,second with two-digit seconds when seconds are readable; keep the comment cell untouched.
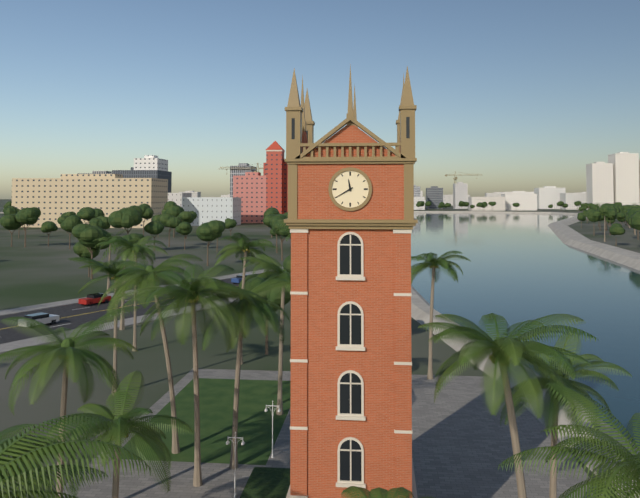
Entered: 11,40
